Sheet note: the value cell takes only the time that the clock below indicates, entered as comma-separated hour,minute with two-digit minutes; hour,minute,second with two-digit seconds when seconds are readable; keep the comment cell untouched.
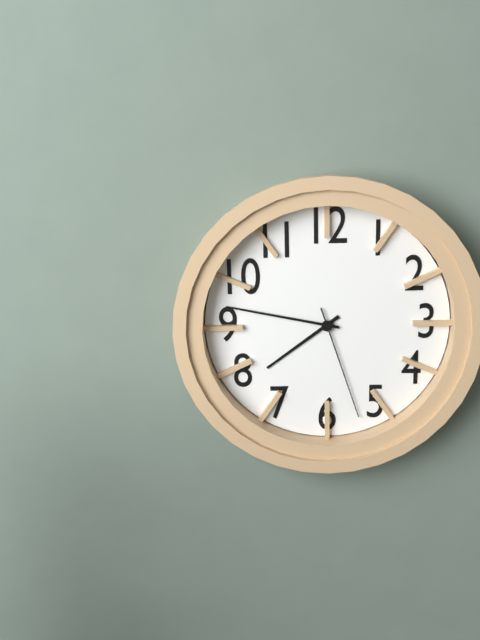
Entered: 7,47,27
